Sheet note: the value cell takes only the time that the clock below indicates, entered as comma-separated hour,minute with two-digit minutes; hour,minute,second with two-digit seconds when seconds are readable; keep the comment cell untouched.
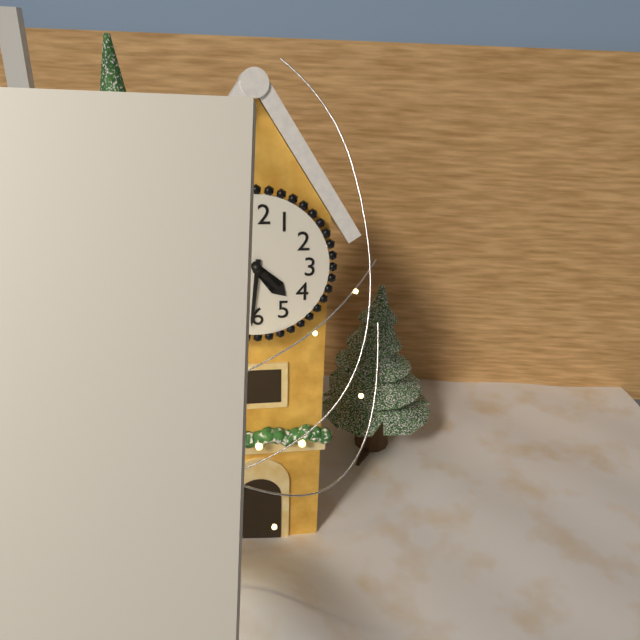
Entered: 4,31
